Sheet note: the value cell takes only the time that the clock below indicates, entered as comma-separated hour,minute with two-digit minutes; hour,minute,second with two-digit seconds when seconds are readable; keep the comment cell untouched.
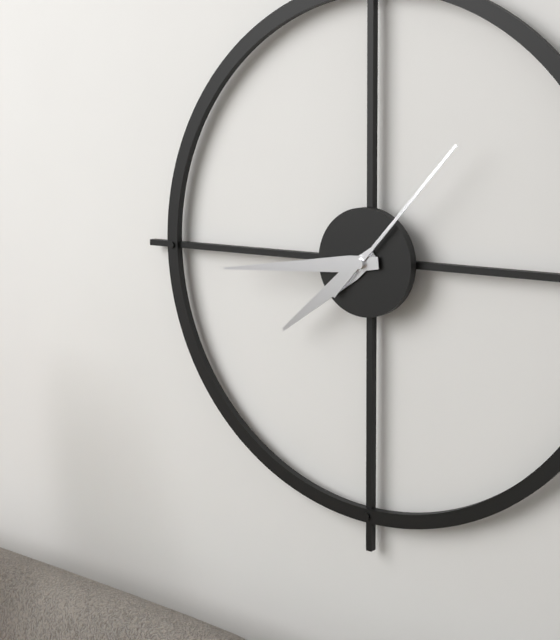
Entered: 7,44,07
